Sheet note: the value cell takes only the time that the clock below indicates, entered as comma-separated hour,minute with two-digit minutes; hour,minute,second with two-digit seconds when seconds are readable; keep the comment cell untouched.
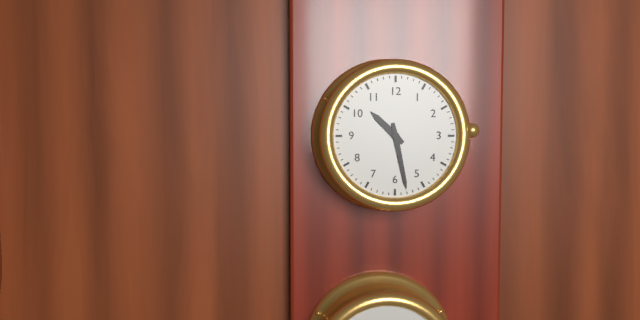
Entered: 10,28
